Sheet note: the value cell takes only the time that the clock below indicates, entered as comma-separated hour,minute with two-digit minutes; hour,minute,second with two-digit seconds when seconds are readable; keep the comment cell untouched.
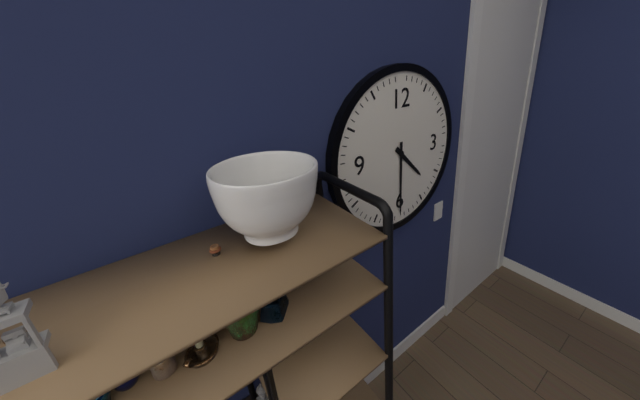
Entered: 4,30
